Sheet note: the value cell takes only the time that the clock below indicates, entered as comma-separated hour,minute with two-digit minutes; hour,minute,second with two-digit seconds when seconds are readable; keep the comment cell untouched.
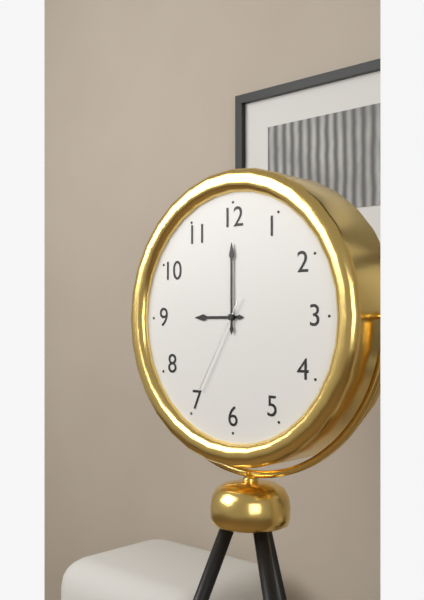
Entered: 9,00,35
